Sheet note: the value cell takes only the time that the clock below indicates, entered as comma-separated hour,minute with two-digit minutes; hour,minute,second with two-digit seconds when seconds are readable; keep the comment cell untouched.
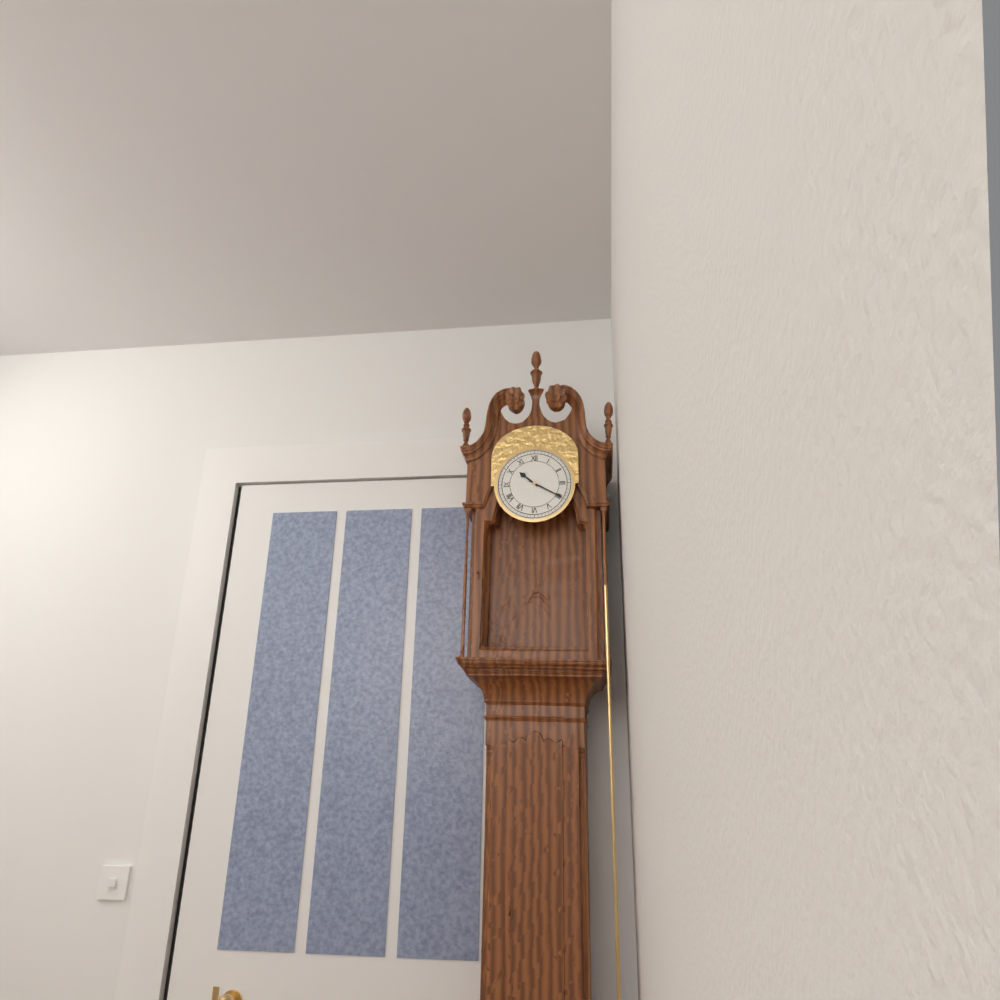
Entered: 10,20
